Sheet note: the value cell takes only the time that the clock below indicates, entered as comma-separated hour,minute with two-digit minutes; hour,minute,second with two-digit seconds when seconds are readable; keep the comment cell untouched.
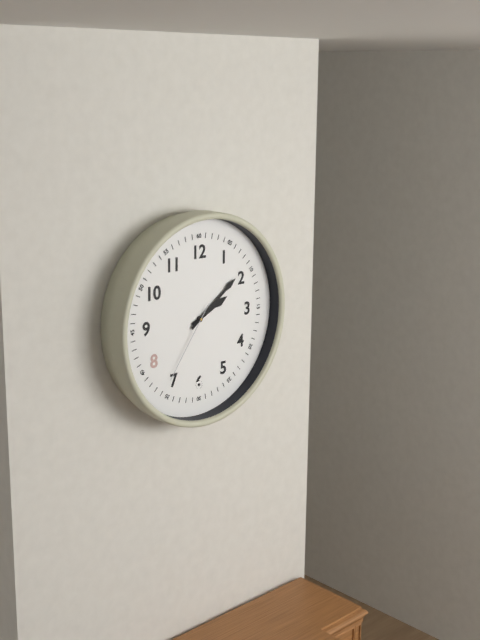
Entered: 2,09,36
